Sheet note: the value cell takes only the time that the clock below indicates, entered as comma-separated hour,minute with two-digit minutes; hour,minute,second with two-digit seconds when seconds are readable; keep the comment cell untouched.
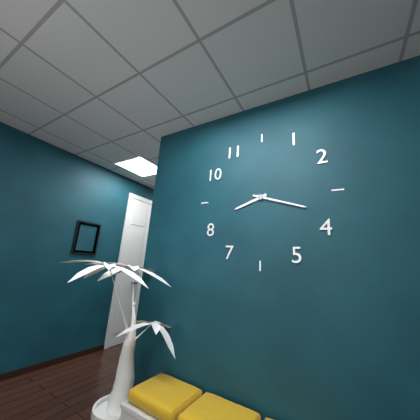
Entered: 8,18
